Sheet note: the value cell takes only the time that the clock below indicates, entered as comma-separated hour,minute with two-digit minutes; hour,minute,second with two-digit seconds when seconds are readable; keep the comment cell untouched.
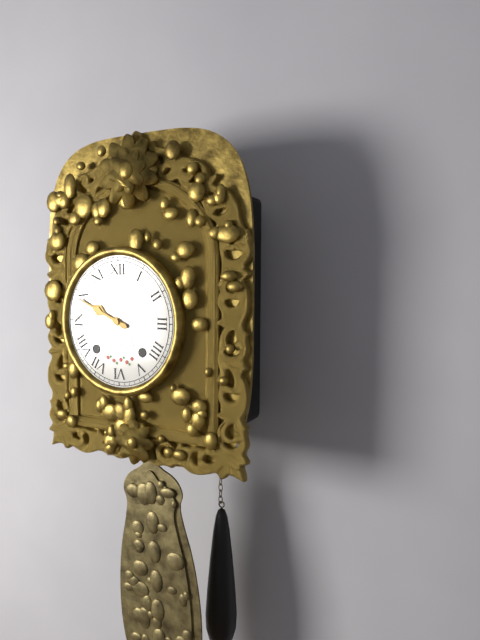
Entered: 9,49
